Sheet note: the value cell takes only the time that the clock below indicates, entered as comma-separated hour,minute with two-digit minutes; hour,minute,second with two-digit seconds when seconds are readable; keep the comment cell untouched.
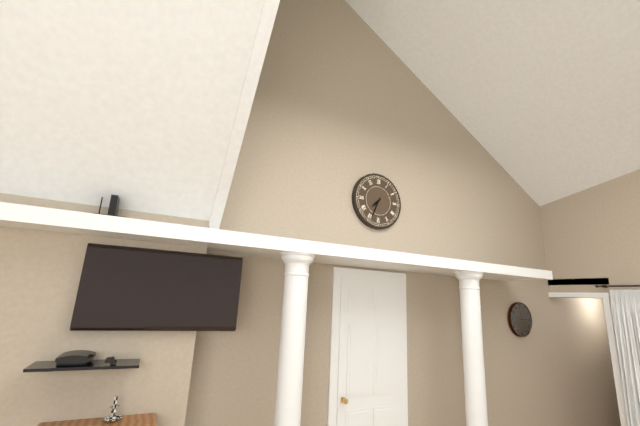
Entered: 7,34
